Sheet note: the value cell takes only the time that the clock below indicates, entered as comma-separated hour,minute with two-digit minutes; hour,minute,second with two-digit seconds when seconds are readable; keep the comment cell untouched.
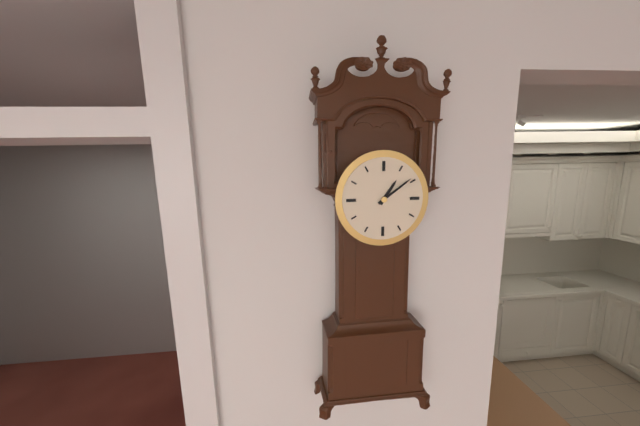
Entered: 1,09
